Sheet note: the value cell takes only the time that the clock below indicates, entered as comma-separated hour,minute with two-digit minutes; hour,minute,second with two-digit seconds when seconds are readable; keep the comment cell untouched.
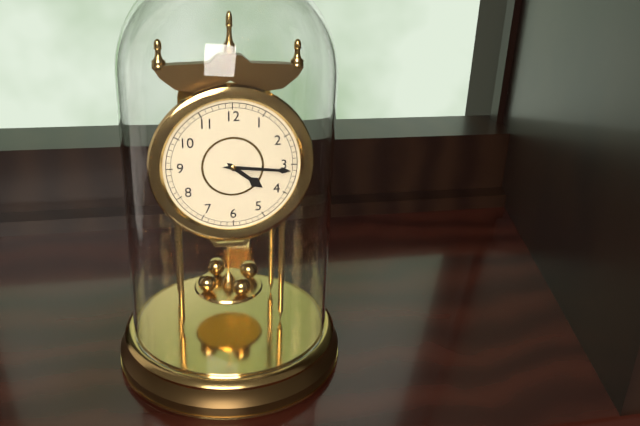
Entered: 4,16
